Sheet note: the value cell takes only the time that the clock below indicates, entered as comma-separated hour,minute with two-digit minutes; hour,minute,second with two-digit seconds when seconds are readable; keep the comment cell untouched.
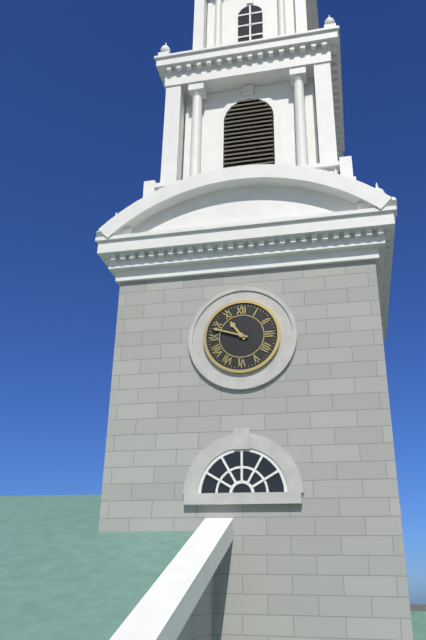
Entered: 10,48
